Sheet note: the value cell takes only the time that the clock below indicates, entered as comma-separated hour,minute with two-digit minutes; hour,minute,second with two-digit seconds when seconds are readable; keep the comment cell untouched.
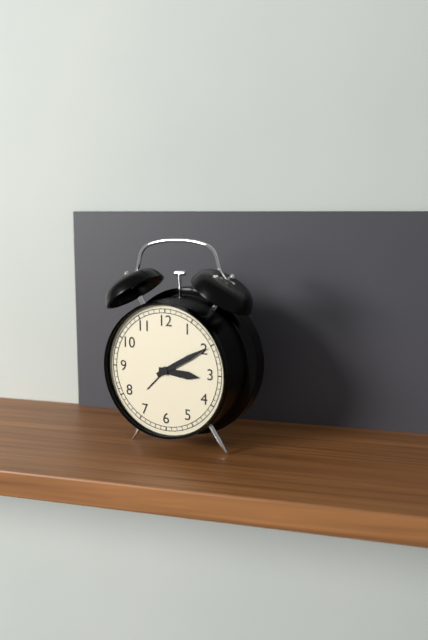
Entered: 3,10
